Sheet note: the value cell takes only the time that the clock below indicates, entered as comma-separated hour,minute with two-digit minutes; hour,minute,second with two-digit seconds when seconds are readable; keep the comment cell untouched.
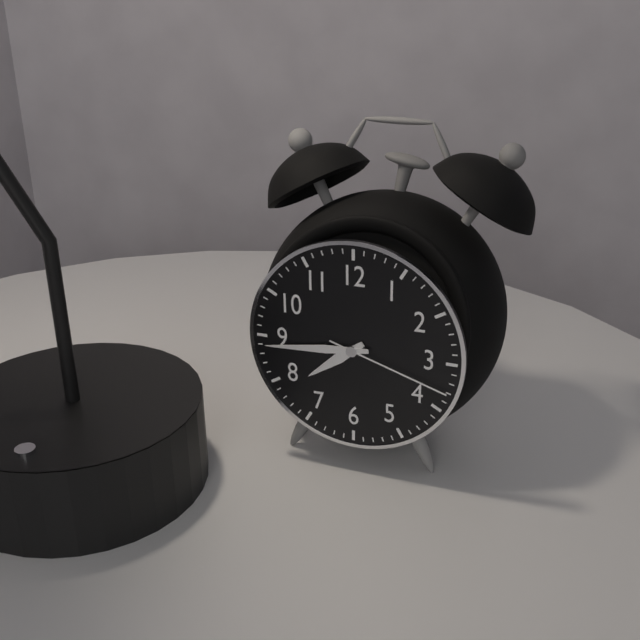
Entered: 7,44,18
